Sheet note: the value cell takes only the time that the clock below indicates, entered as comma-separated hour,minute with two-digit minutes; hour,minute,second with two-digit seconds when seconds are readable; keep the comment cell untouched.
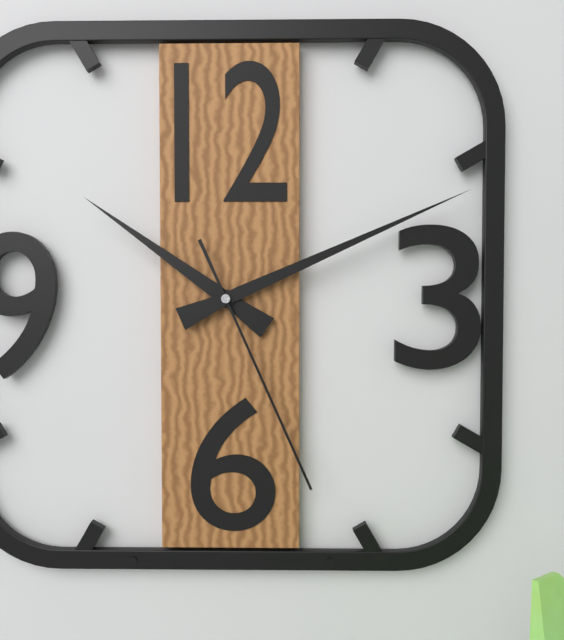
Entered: 10,11,26
